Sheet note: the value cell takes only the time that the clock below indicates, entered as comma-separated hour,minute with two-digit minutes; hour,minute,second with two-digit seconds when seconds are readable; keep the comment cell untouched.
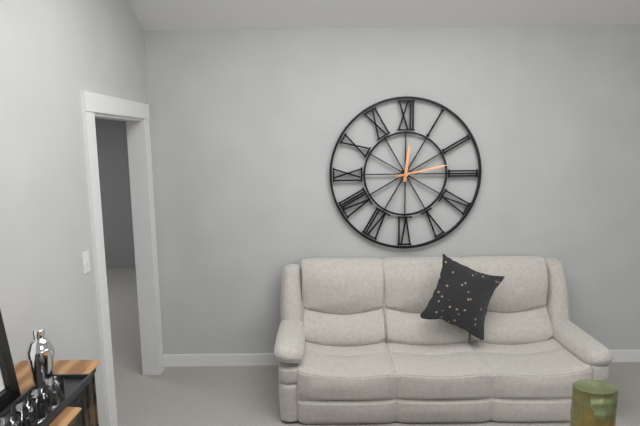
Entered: 12,13
